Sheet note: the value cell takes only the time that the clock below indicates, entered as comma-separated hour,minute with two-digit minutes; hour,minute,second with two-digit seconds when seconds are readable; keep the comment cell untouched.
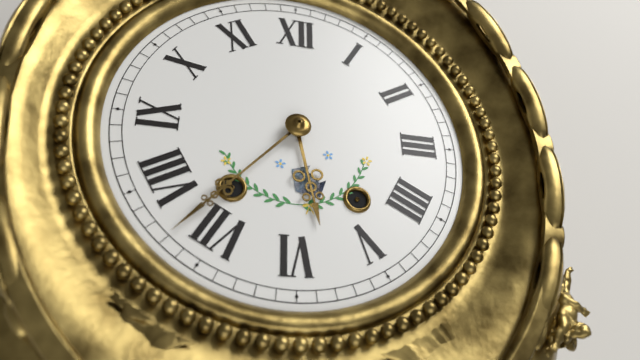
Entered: 5,37
